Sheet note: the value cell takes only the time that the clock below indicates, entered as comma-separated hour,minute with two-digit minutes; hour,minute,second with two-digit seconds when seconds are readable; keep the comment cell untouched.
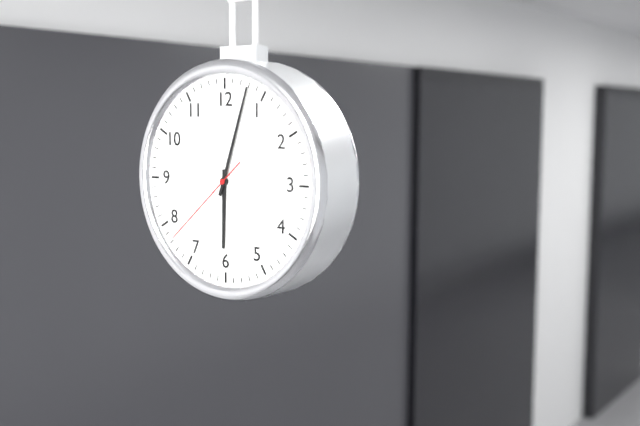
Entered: 6,03,38
